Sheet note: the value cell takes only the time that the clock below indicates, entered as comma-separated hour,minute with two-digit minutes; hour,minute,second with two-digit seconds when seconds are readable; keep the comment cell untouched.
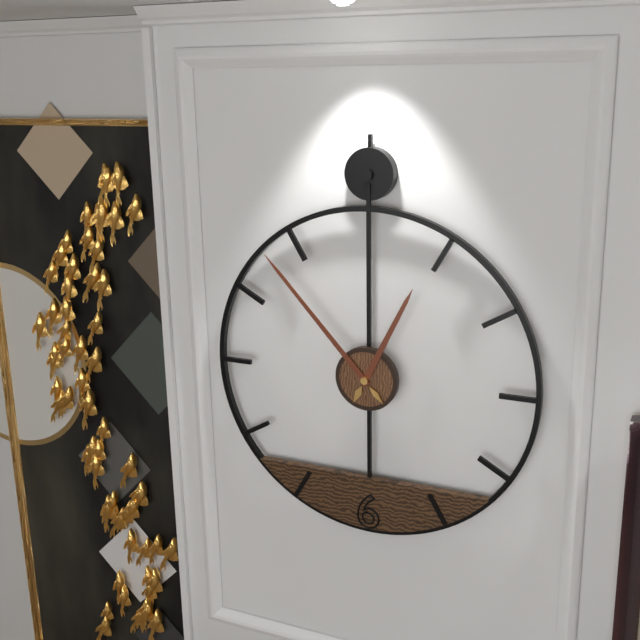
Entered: 12,53
